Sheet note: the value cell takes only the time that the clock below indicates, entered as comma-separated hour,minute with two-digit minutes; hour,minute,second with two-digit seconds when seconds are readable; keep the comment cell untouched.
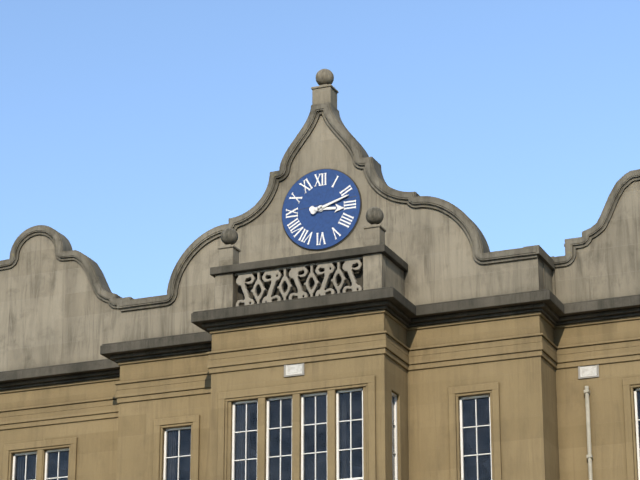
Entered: 3,12
